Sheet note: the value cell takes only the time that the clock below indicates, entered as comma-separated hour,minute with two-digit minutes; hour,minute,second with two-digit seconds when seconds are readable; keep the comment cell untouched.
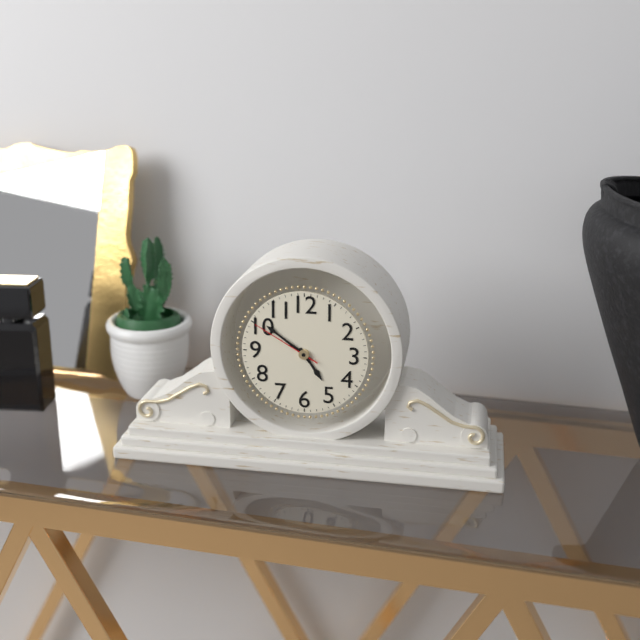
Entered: 4,51,50
